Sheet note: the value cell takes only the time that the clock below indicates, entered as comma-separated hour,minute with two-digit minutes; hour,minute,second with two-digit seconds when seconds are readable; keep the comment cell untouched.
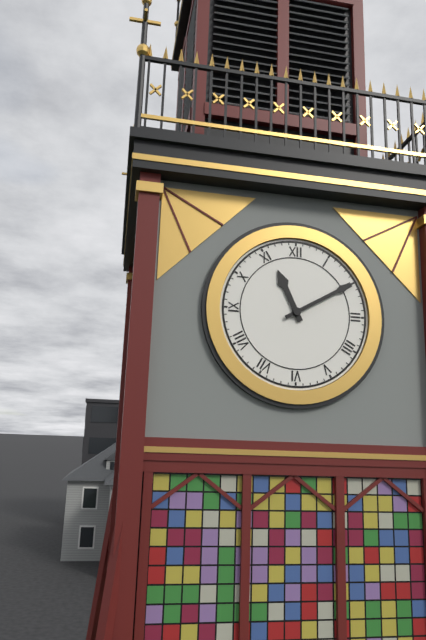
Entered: 11,10
